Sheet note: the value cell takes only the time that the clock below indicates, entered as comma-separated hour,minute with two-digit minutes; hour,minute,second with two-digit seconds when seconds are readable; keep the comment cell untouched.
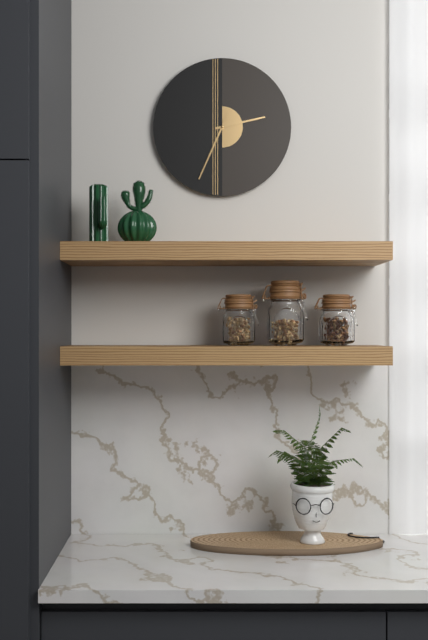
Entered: 2,34
